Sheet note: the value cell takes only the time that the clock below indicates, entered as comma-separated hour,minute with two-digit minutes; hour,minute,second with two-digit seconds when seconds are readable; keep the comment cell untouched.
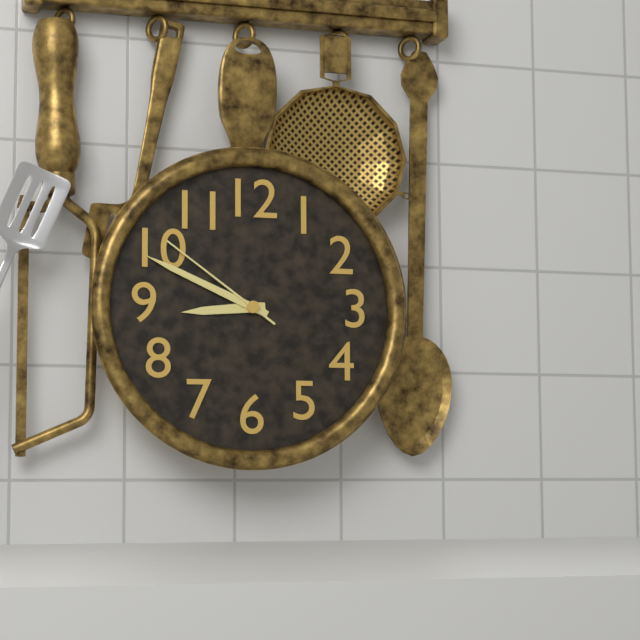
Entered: 8,49,51
